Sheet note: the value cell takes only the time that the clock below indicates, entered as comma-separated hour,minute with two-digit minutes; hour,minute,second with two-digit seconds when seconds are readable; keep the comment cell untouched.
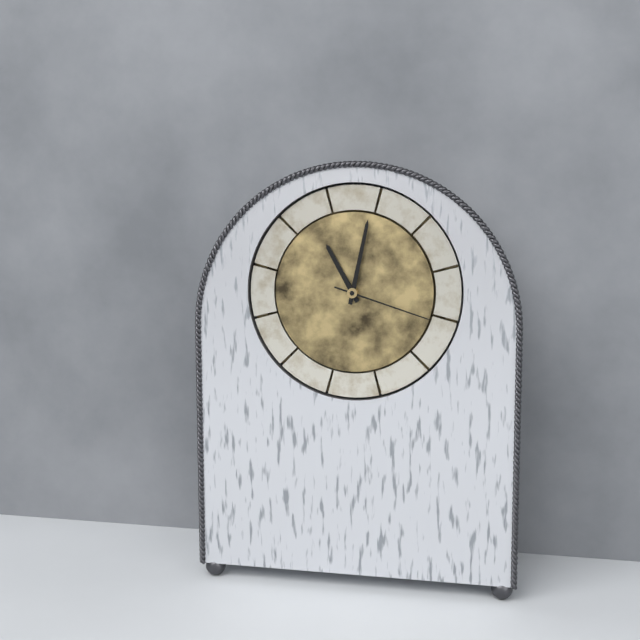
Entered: 11,02,18
